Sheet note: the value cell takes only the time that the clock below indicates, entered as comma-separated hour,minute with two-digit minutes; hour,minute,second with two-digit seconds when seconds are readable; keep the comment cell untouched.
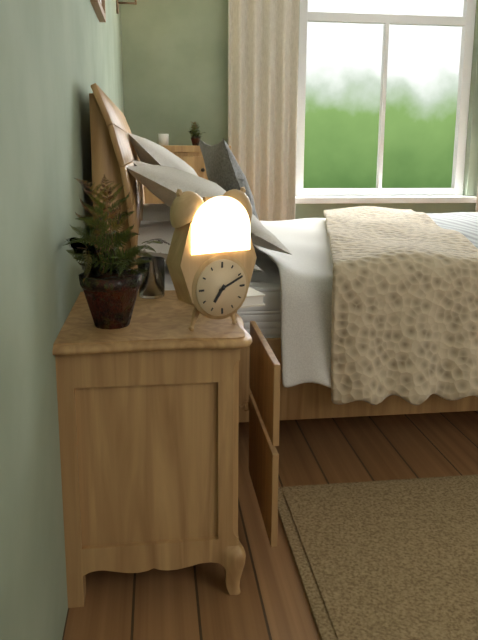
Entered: 7,11
